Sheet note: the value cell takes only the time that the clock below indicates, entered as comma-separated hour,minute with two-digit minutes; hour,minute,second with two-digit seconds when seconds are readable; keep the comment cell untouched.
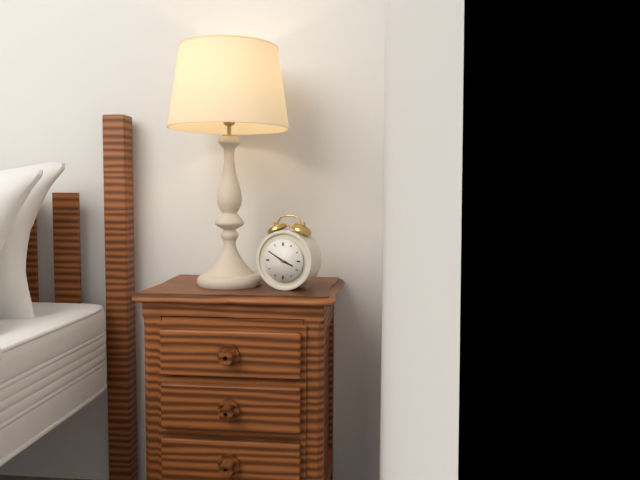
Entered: 3,50
